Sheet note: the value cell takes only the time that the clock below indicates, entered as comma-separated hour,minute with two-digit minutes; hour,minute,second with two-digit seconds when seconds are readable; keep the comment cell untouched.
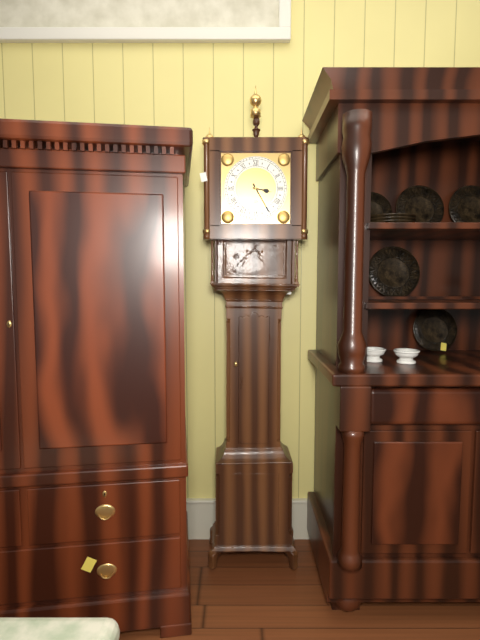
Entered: 3,25
